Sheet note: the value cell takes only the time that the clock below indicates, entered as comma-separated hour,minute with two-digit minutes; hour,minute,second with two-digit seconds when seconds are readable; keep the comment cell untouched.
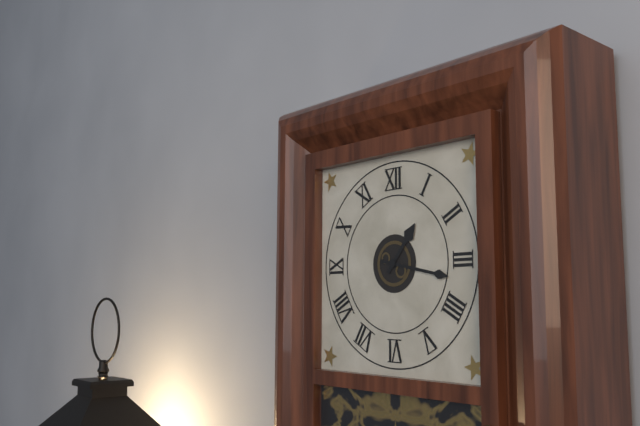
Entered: 1,17
